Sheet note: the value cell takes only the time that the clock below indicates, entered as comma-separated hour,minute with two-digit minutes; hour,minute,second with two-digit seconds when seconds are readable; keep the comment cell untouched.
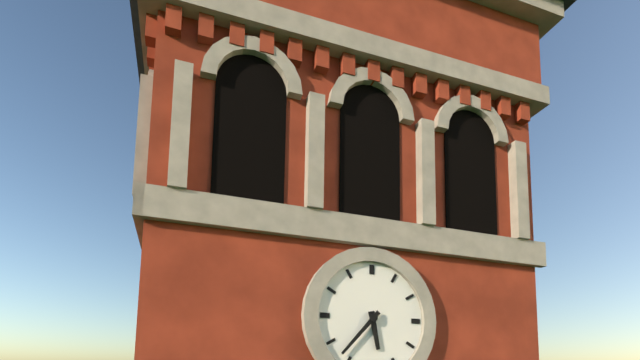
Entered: 5,37
